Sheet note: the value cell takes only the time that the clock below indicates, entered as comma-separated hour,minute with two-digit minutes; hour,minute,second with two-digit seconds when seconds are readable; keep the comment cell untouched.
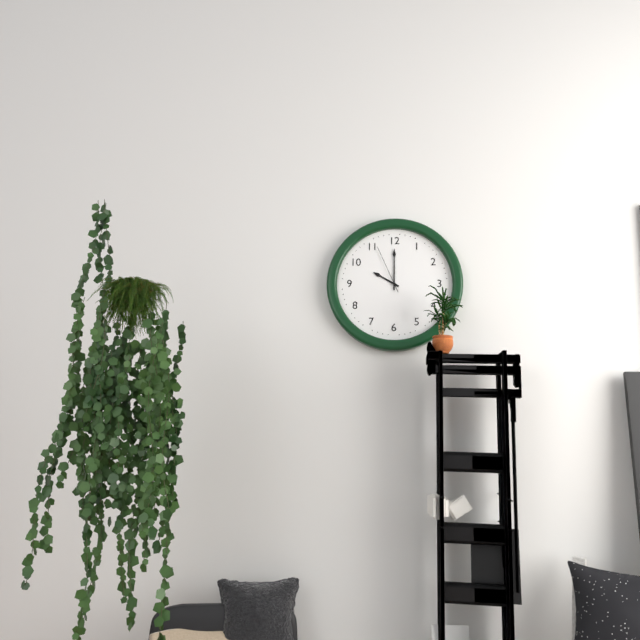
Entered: 10,00,56
